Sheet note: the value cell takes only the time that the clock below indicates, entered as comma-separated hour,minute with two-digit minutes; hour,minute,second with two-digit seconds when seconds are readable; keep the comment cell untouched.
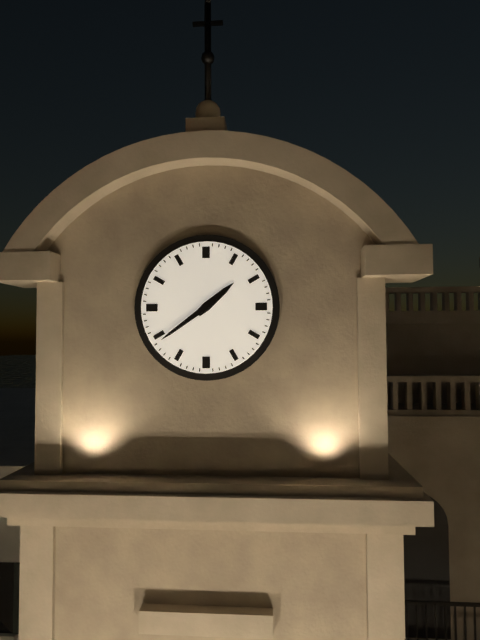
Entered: 1,39
